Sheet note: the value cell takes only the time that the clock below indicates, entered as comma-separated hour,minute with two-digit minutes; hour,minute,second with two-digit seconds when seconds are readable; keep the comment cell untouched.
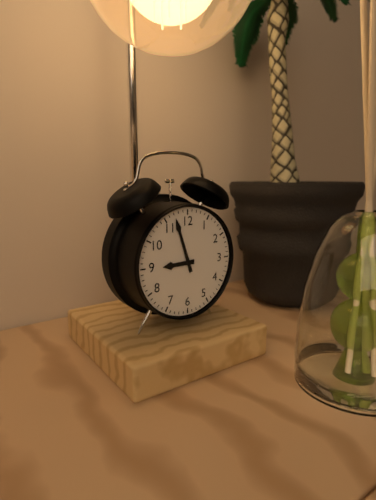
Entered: 8,57
